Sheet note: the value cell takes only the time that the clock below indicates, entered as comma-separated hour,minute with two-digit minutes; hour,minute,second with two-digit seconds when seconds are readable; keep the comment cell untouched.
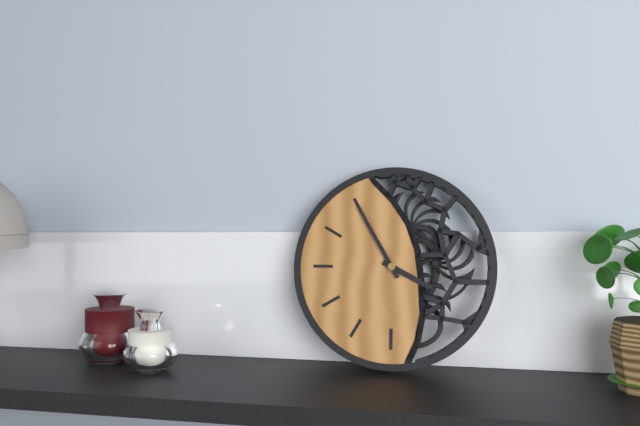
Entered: 3,55
